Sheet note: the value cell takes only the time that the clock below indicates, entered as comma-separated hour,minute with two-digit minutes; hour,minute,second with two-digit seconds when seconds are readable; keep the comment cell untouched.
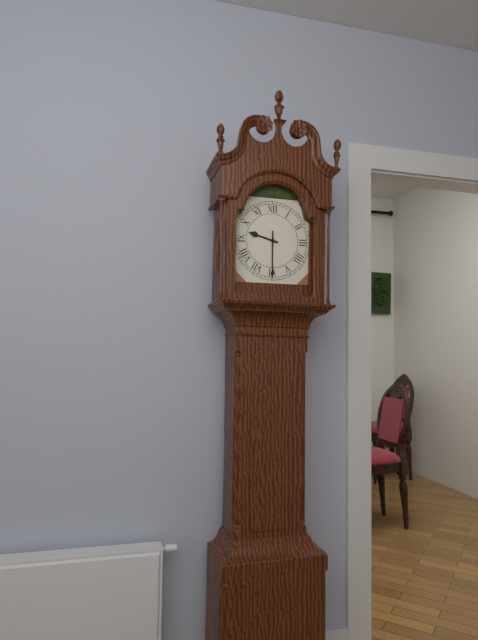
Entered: 9,30
